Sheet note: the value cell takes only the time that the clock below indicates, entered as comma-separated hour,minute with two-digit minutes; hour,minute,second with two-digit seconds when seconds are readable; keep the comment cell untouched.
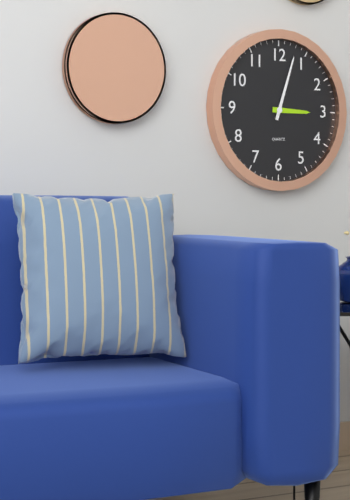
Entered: 3,03
